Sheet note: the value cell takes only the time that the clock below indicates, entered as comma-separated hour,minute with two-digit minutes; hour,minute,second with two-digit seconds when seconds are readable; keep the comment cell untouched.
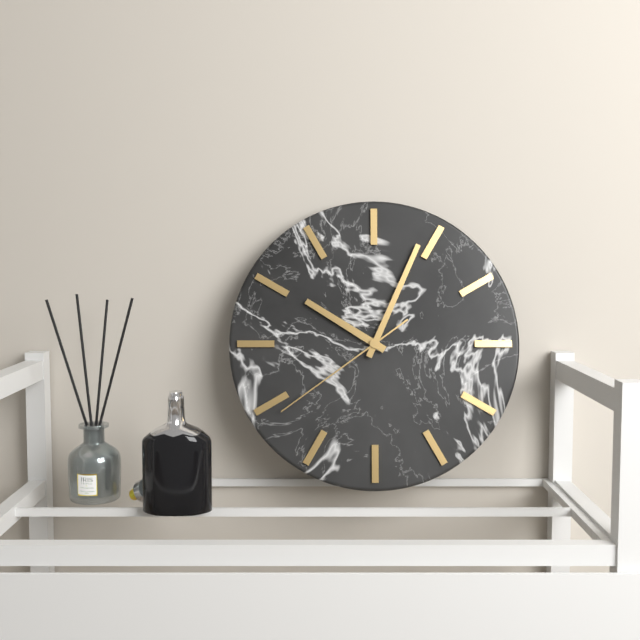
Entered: 10,04,39
